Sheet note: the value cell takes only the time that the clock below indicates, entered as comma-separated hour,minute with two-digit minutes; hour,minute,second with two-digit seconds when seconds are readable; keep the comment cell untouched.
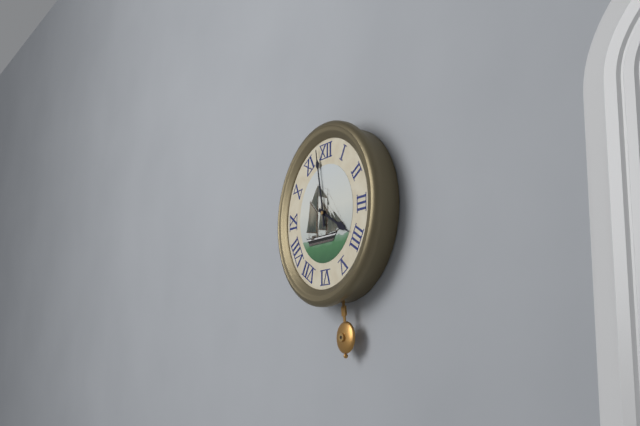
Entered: 3,58
